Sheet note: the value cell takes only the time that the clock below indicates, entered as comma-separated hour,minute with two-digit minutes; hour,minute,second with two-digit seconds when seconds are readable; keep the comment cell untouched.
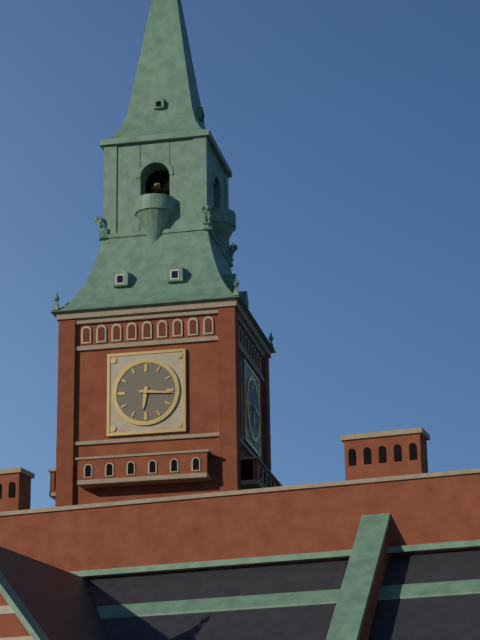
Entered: 6,16
